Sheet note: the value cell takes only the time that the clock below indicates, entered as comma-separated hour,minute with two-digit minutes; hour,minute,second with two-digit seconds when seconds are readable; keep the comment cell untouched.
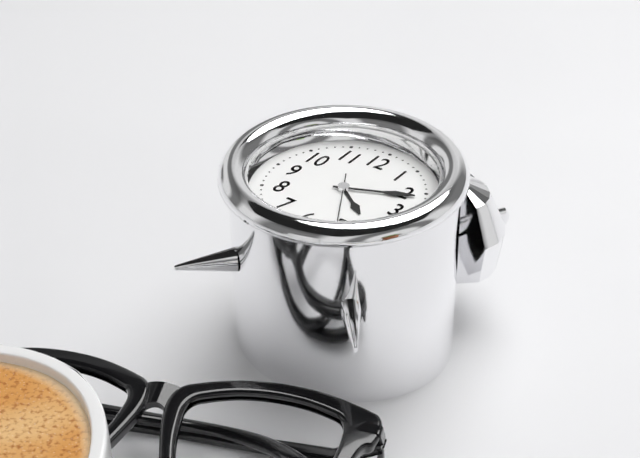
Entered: 4,11,25
